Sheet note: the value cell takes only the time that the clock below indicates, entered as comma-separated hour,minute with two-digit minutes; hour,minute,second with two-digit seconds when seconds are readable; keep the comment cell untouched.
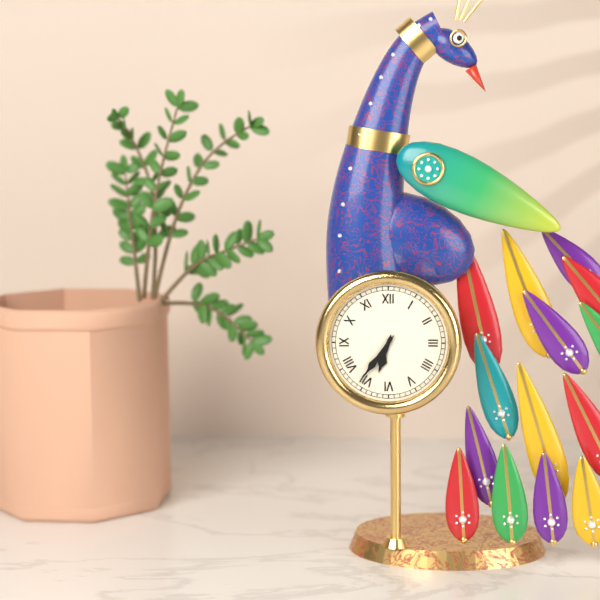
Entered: 6,36
